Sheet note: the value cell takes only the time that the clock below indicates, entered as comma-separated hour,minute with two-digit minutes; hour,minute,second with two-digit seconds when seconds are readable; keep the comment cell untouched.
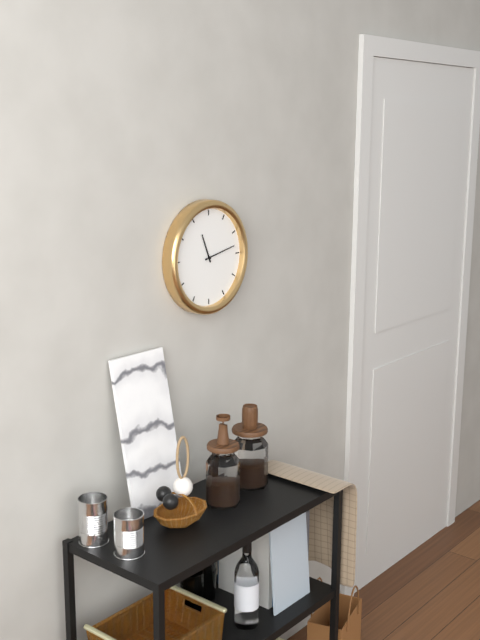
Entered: 11,13
